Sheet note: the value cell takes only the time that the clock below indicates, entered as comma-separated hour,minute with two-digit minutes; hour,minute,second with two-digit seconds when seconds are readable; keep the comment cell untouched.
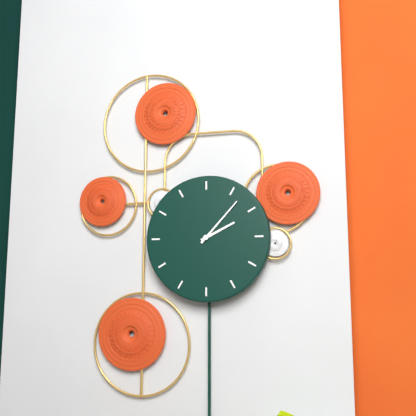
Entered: 2,07
